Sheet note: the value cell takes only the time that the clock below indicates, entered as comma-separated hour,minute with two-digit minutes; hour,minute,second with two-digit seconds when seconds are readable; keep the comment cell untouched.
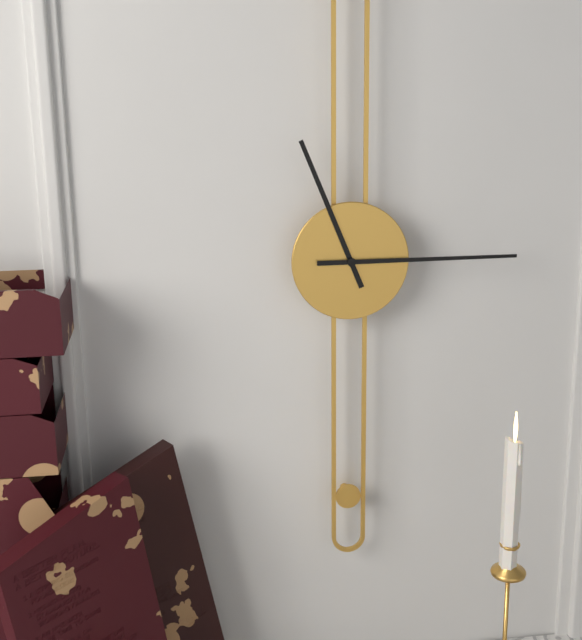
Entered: 11,15
